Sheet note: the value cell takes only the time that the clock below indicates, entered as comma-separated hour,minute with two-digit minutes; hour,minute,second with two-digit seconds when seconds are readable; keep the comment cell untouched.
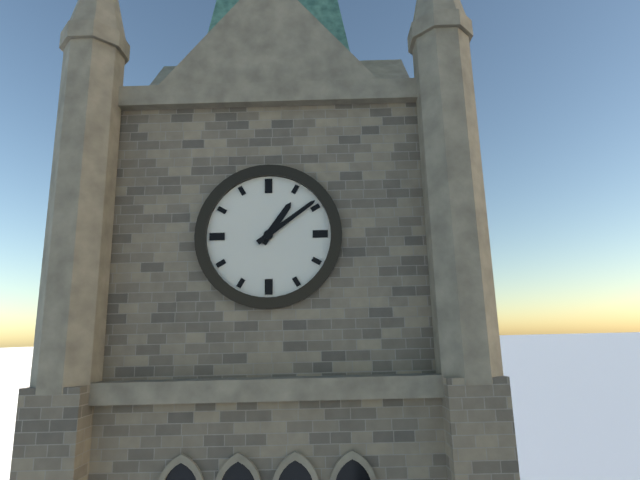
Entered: 1,09
